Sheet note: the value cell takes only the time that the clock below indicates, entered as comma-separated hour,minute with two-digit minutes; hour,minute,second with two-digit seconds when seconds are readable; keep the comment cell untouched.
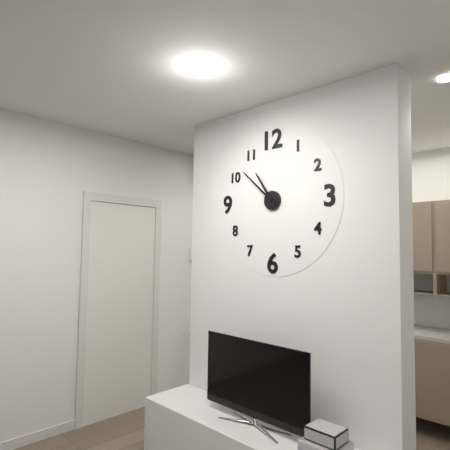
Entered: 10,52
